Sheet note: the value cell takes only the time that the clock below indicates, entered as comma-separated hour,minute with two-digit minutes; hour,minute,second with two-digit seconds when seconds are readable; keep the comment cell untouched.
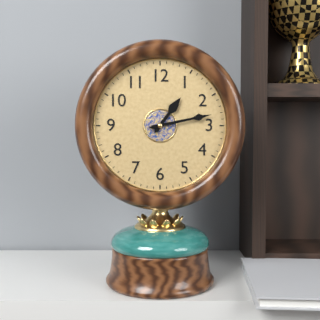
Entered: 1,13
